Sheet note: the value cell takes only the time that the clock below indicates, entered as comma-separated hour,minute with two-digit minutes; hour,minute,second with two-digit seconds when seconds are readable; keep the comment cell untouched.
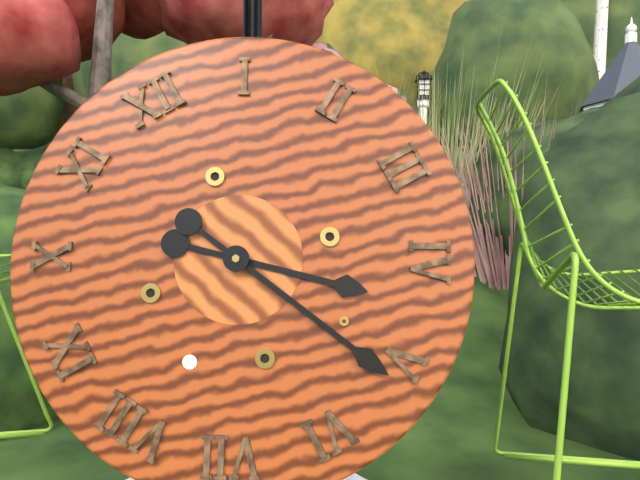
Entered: 4,26
